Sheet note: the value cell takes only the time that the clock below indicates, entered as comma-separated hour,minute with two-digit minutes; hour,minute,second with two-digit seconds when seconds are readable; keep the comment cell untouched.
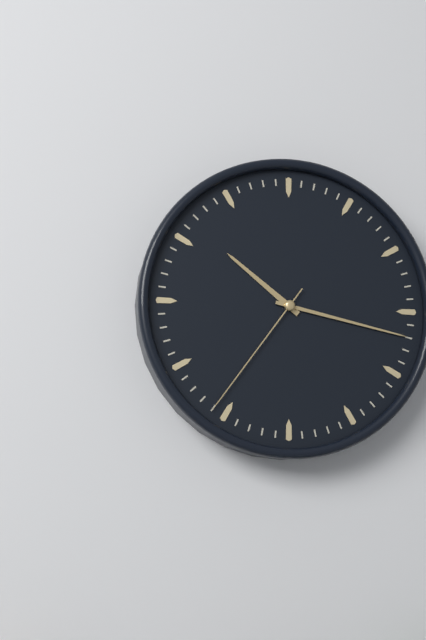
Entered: 10,17,36
